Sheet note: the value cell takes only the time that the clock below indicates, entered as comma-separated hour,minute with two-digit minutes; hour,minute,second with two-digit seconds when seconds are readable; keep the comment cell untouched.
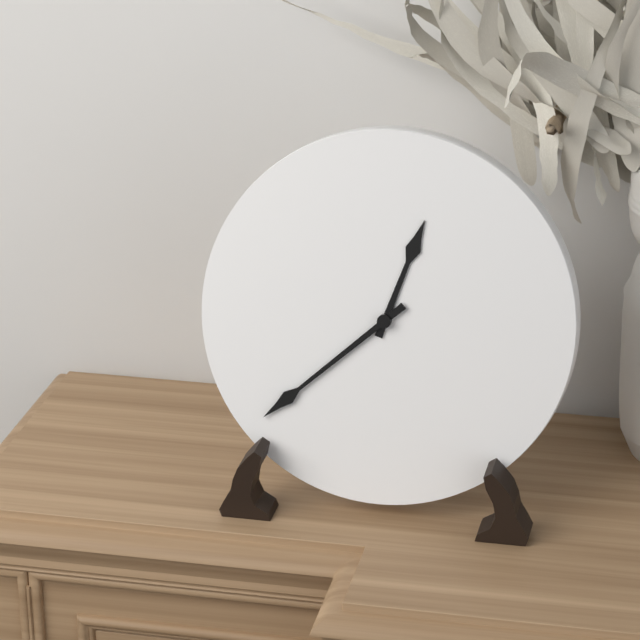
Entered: 12,38
